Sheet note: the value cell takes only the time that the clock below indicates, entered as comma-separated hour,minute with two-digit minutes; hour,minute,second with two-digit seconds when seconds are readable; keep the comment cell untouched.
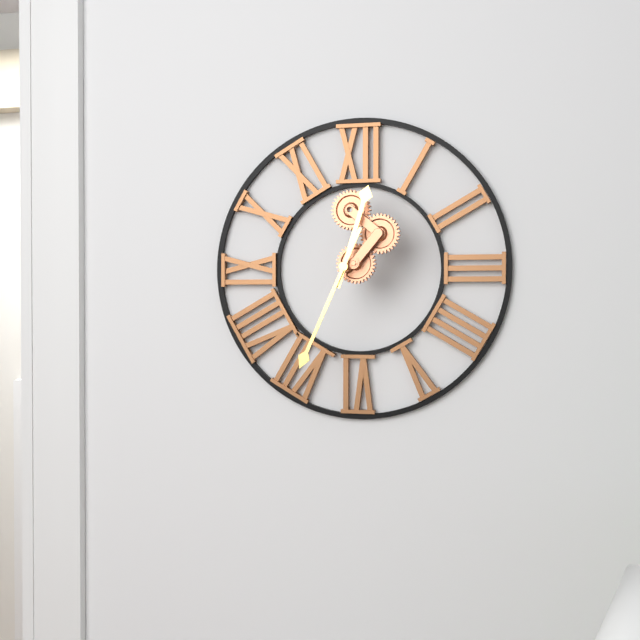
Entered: 12,34
